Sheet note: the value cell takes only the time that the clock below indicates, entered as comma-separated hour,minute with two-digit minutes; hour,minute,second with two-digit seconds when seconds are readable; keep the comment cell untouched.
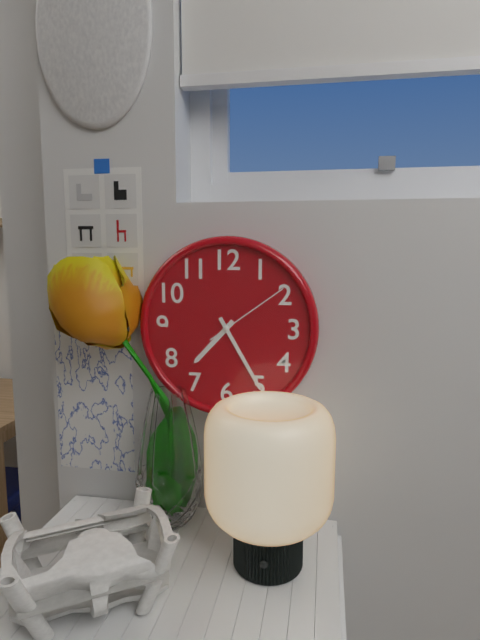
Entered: 7,25,09
